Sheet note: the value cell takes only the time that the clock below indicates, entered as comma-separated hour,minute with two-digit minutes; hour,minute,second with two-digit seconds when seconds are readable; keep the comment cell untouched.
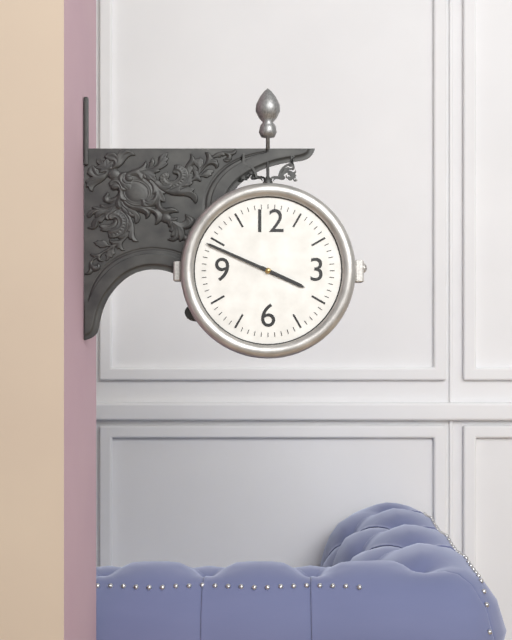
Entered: 3,49
